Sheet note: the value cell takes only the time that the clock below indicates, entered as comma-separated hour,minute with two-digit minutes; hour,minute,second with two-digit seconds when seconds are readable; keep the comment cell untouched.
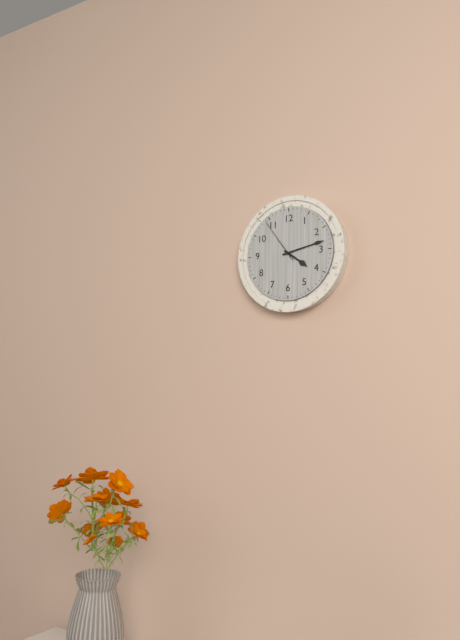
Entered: 4,13
